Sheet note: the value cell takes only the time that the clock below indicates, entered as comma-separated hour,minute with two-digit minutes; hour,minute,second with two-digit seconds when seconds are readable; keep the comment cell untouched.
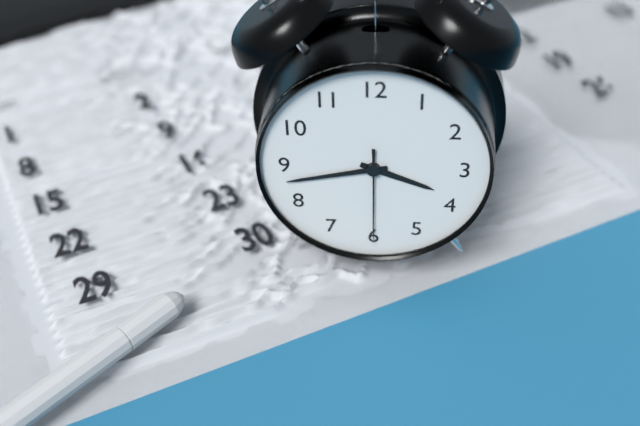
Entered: 3,43,30
